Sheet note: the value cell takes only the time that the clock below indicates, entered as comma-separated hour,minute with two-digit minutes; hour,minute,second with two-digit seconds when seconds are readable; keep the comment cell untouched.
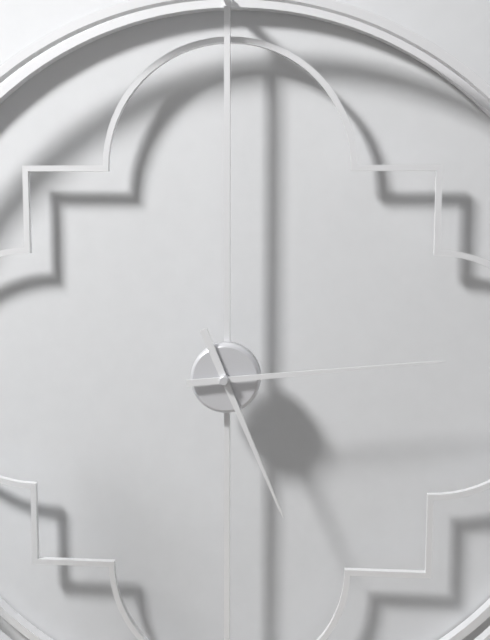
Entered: 5,14
